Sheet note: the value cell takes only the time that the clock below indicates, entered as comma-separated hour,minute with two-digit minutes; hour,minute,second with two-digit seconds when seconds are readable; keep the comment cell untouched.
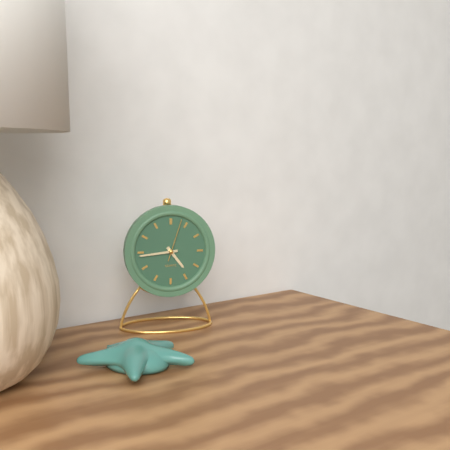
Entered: 4,44
